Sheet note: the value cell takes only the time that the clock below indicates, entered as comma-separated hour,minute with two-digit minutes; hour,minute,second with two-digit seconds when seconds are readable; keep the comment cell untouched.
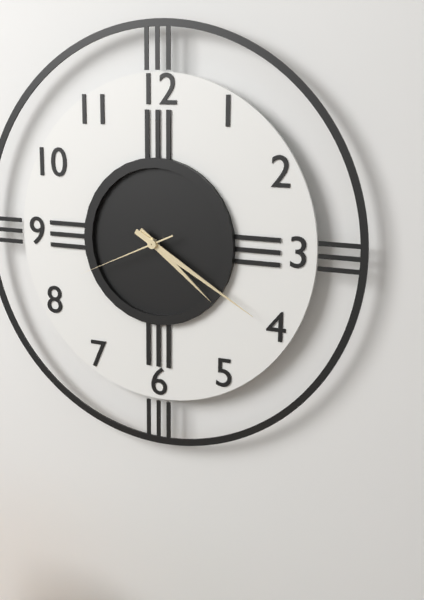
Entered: 4,20,41
